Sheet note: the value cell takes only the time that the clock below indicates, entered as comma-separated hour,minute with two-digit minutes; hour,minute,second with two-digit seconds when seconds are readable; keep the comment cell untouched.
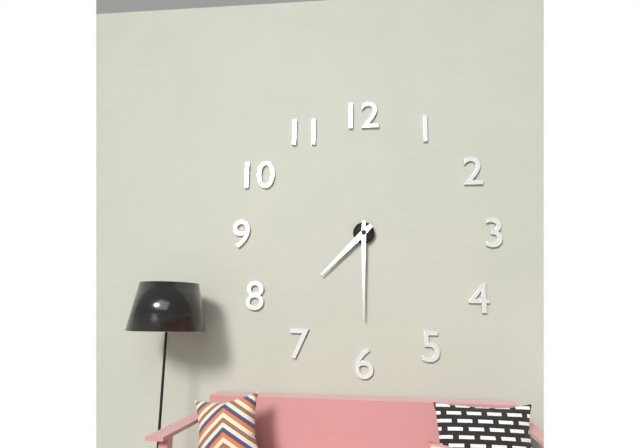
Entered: 7,30
